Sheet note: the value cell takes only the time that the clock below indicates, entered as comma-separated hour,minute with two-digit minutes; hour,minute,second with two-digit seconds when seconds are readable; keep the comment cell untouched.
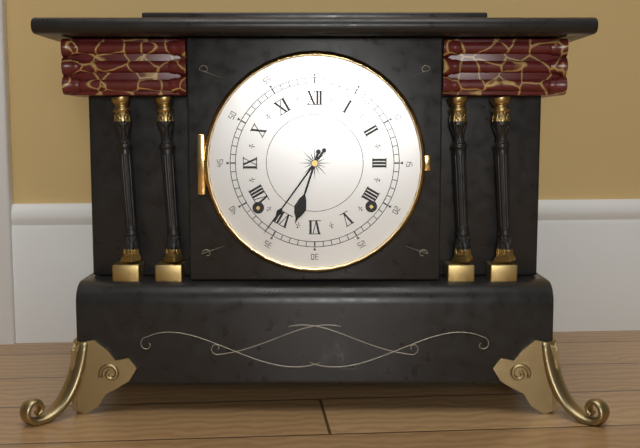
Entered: 6,36
